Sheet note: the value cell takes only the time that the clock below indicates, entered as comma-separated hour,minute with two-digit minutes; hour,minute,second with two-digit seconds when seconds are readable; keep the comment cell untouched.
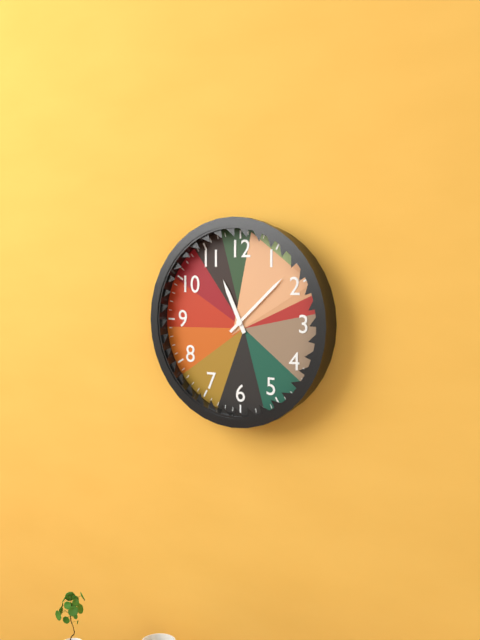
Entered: 11,08
